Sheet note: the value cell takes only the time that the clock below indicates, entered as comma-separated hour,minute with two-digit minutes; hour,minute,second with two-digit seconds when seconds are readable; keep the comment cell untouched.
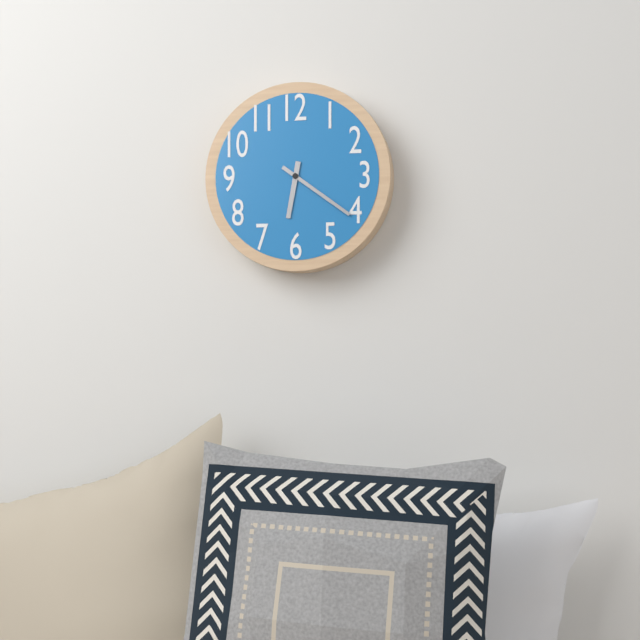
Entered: 6,21
